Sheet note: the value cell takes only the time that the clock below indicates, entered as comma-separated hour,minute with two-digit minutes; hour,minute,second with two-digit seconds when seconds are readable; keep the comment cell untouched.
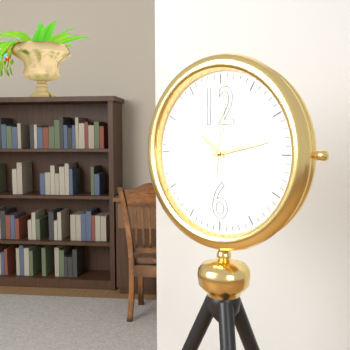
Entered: 10,13,01
